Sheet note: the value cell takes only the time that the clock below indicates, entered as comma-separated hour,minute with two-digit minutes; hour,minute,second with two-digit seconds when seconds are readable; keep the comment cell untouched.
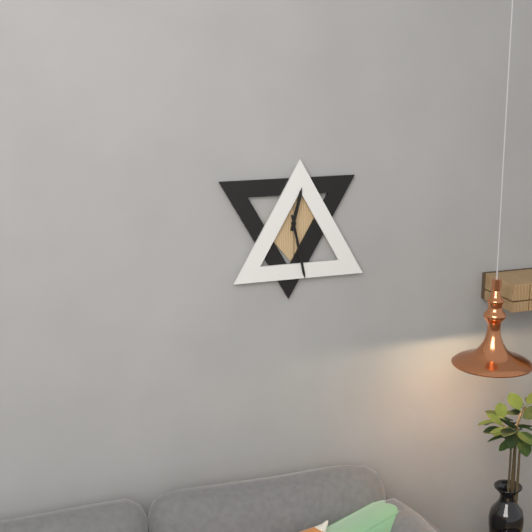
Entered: 12,28
